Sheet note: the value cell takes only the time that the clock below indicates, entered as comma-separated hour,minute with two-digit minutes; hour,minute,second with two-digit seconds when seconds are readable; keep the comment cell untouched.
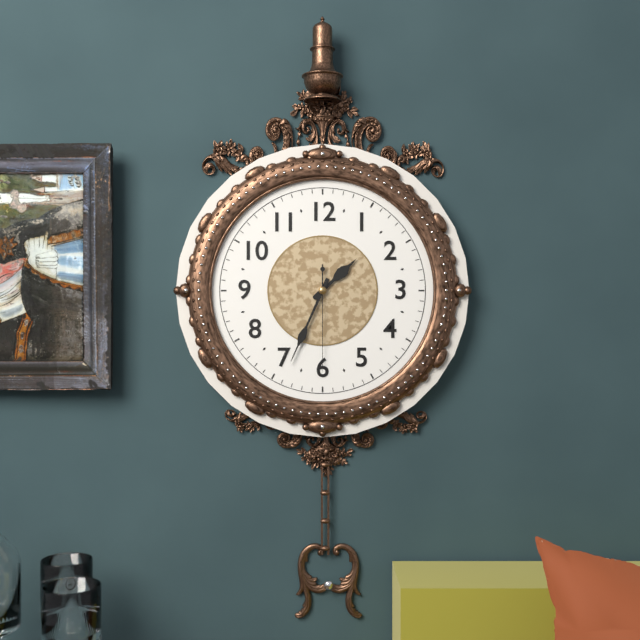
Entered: 1,34,30
